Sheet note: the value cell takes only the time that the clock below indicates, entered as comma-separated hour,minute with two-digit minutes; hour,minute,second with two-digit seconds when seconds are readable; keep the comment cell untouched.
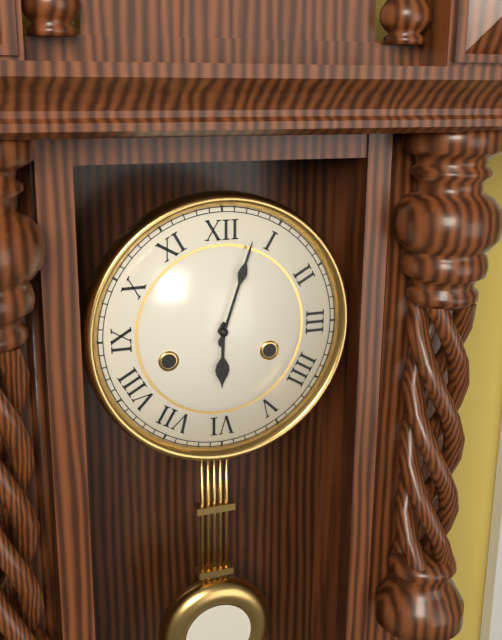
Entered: 6,03
